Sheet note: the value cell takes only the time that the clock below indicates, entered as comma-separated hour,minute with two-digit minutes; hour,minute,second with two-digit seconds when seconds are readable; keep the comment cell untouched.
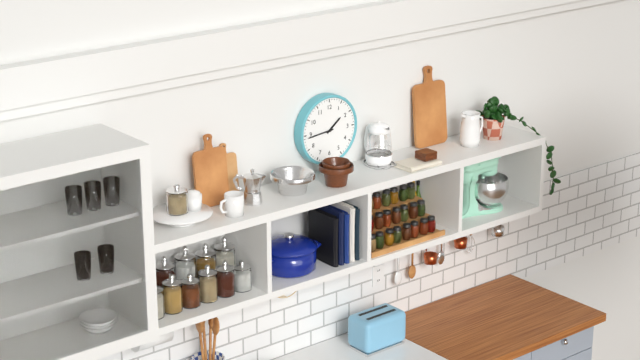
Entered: 1,44
